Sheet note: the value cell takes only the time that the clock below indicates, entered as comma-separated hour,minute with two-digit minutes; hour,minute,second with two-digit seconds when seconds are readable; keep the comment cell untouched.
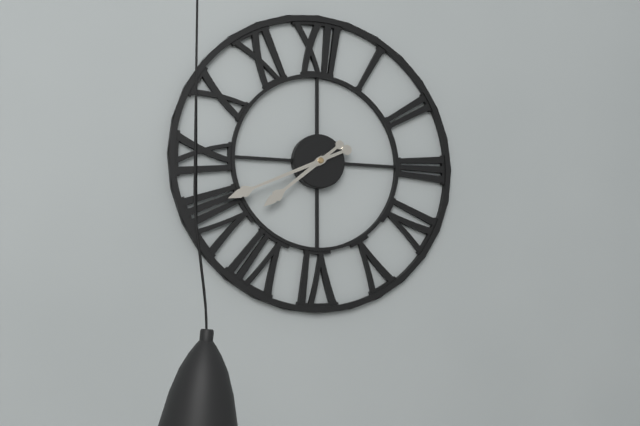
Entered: 7,41
